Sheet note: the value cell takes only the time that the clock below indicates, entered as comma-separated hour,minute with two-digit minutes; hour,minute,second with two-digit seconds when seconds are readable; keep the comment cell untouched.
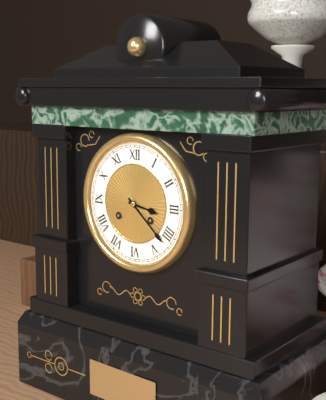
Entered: 3,22
